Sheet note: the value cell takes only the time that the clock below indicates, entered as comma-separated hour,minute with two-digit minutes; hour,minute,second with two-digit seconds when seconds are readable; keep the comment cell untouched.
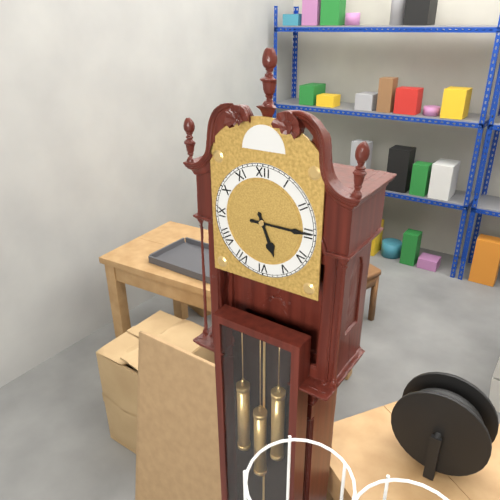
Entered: 5,15
